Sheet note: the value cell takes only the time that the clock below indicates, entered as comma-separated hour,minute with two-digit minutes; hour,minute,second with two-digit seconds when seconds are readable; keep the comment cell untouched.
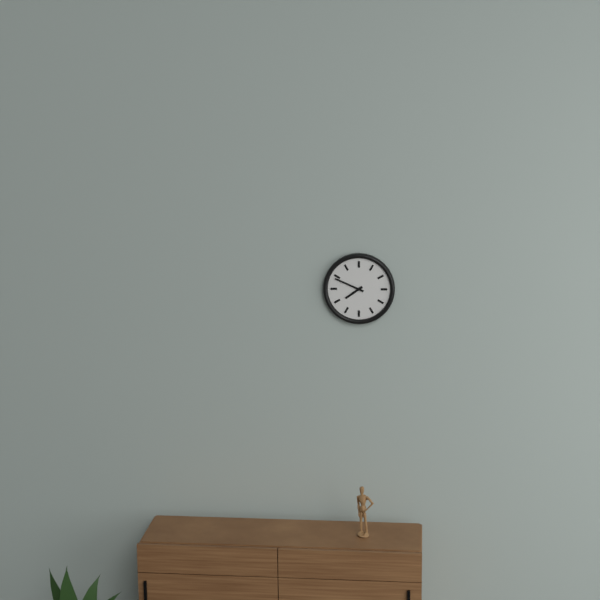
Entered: 7,49
